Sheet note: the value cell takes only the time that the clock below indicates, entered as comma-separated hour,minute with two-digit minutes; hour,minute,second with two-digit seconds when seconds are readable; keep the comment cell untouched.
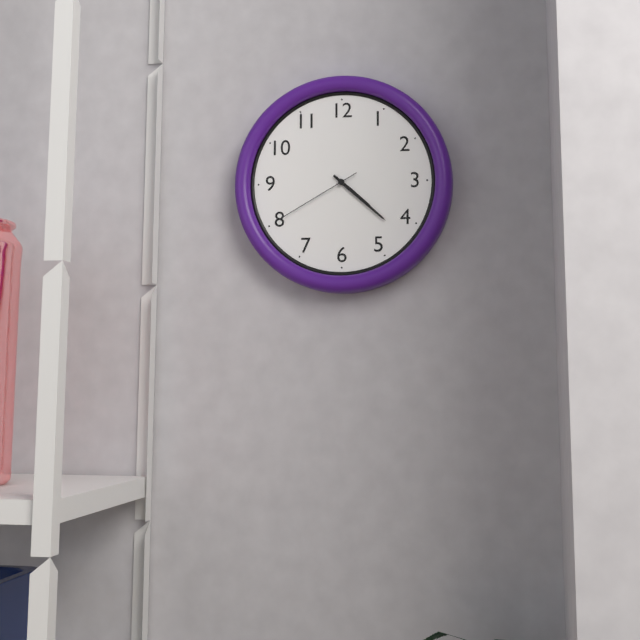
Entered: 4,22,40
